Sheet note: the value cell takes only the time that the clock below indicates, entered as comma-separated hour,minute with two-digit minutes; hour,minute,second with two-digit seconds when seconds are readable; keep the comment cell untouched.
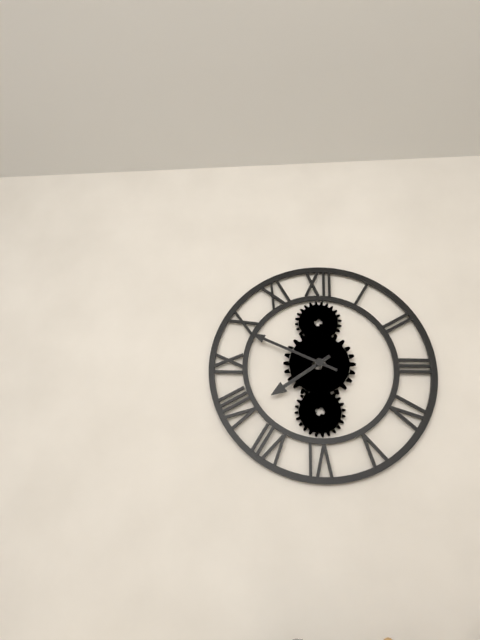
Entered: 7,49
